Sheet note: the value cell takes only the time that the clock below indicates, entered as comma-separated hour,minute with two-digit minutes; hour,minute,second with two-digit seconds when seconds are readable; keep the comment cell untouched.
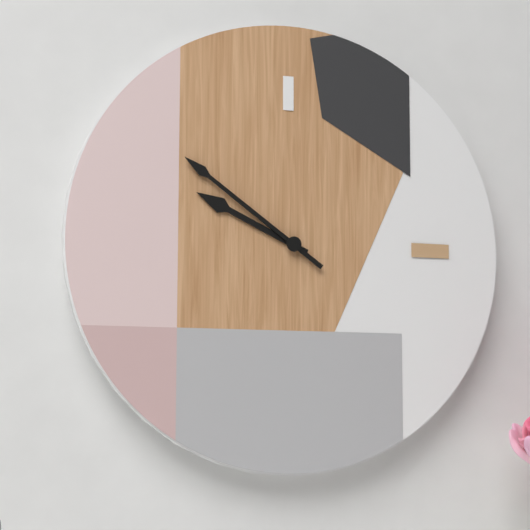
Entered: 9,51
